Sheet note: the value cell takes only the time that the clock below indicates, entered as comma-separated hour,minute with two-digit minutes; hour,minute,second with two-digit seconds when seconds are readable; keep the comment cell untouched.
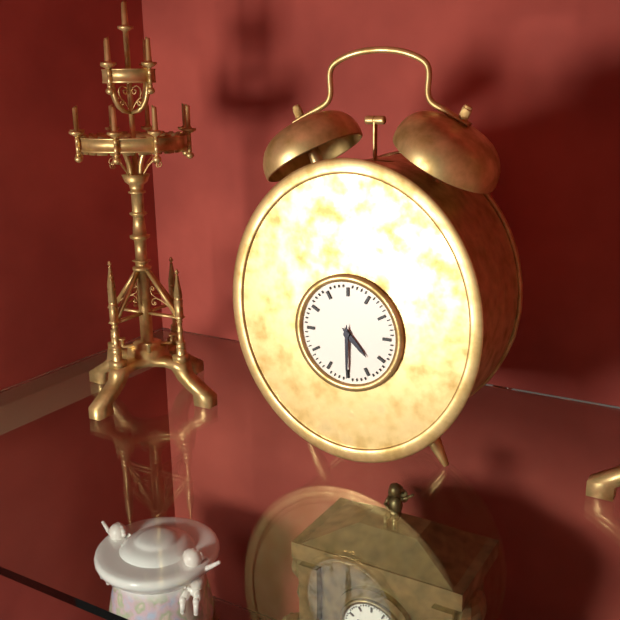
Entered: 4,30
